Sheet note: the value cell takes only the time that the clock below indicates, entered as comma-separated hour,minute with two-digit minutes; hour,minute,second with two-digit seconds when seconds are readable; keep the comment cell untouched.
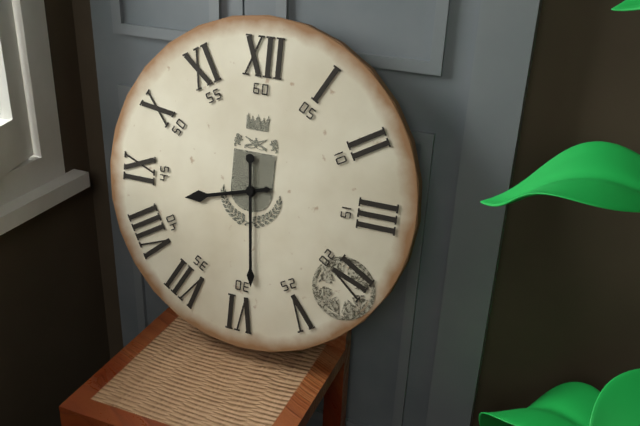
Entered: 8,29
